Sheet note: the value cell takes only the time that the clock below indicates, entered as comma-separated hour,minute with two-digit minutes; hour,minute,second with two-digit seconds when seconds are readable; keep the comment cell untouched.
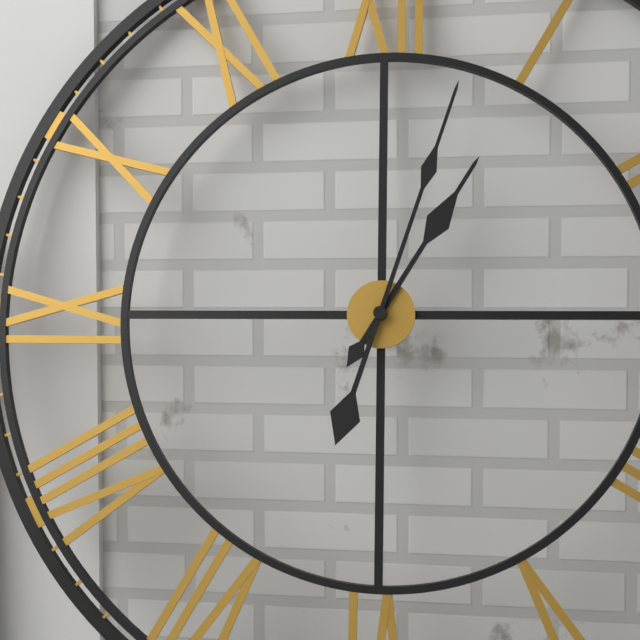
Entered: 1,03
